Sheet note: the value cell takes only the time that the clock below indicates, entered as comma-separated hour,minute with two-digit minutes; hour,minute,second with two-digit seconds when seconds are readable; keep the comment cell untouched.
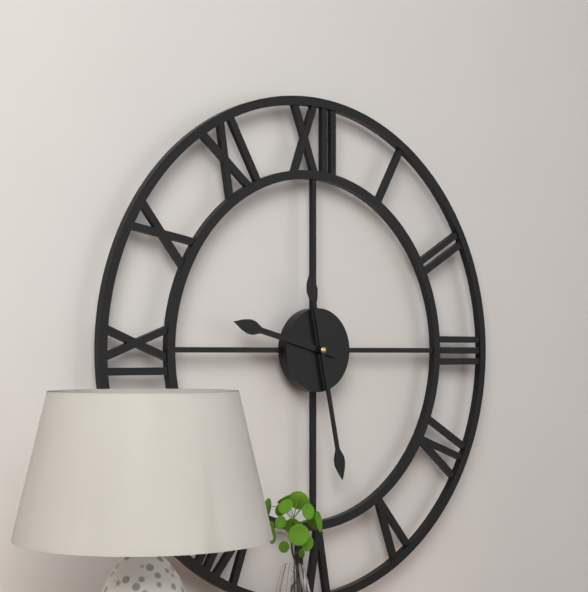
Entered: 9,28
